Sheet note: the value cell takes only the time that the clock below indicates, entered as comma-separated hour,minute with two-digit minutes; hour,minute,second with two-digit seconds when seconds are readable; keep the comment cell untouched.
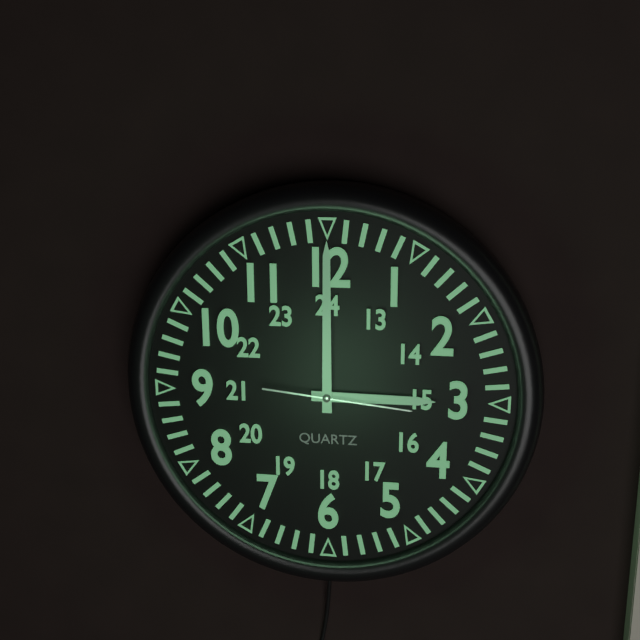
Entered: 3,00,16
